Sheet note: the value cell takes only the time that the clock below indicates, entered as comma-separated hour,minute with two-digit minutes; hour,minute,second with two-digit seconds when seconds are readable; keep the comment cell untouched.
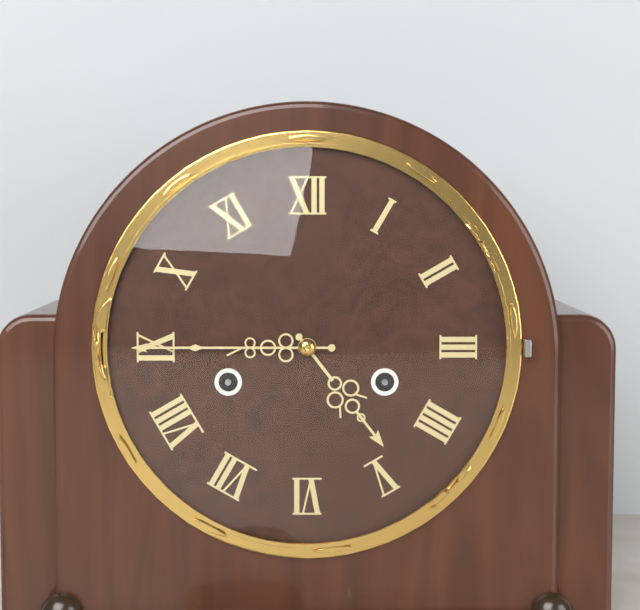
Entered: 4,45
